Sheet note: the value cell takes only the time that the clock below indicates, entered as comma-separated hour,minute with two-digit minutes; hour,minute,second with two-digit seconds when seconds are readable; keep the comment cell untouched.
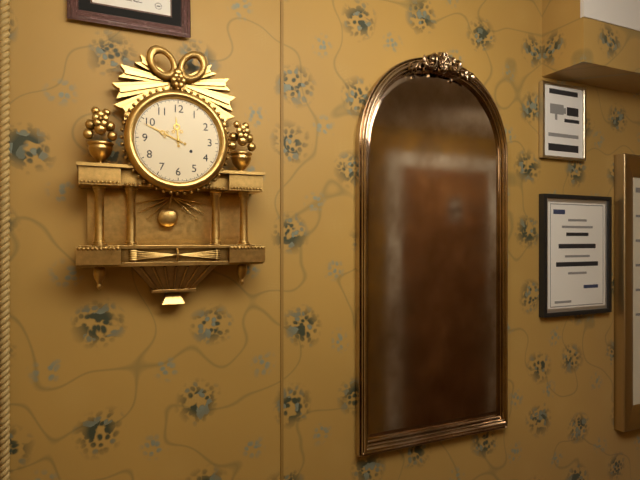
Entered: 11,49
